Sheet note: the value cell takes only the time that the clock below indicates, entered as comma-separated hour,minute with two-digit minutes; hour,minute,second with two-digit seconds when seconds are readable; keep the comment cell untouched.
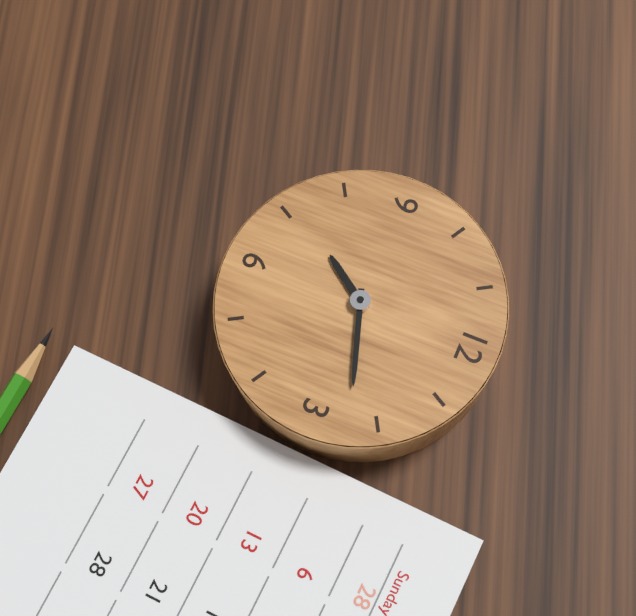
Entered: 7,12
